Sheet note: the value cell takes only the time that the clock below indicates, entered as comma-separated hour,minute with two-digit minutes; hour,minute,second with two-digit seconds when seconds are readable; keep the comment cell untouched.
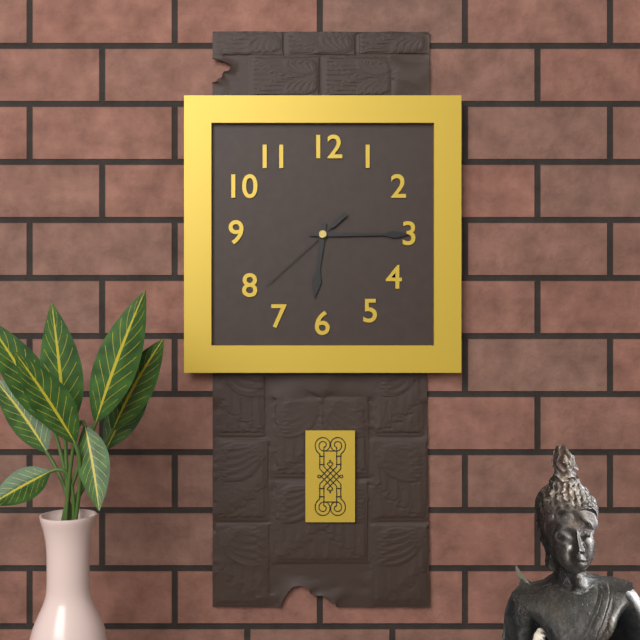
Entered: 6,15,38
